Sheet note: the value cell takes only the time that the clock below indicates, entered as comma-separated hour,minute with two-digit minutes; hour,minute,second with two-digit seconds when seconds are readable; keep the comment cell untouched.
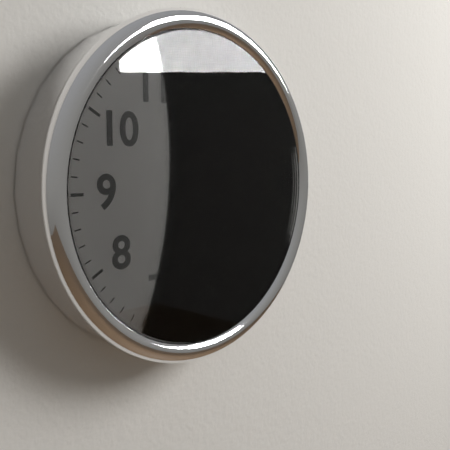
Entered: 7,07
